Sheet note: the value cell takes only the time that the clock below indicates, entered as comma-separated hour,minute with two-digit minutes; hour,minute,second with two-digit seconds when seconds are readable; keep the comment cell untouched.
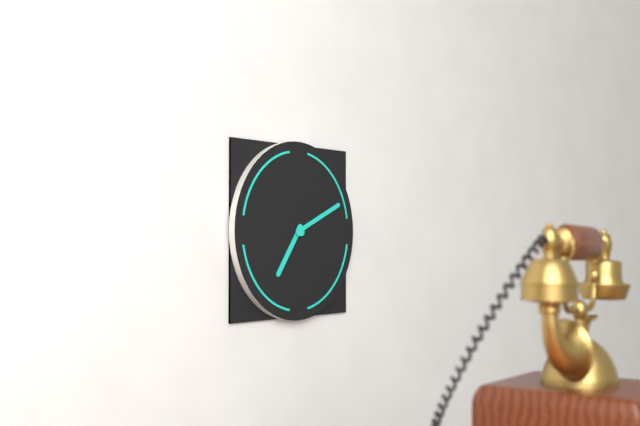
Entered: 7,11
